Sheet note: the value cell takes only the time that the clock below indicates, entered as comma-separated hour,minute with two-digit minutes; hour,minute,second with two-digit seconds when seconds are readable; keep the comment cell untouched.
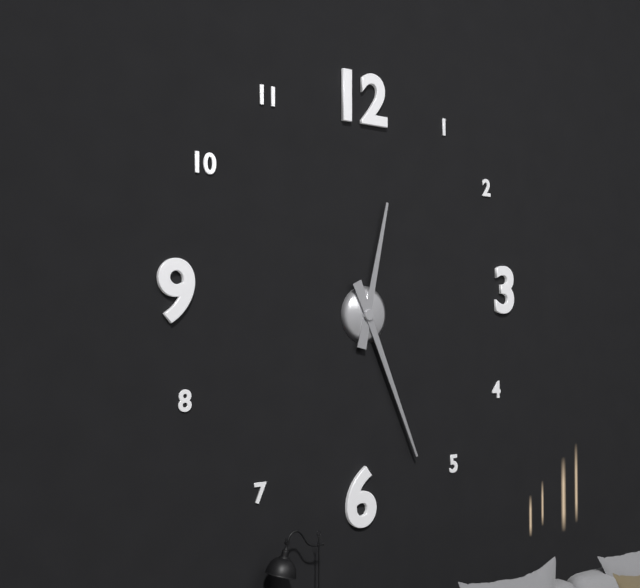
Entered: 12,26
